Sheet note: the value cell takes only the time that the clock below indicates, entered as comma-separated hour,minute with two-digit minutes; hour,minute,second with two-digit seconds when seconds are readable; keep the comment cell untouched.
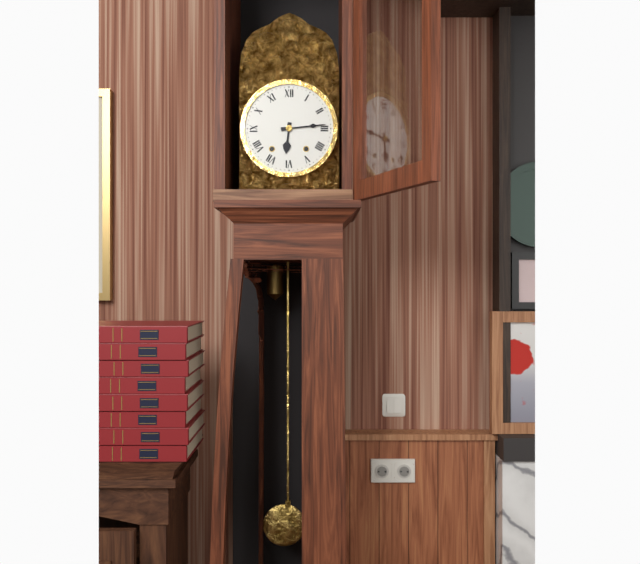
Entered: 6,14
